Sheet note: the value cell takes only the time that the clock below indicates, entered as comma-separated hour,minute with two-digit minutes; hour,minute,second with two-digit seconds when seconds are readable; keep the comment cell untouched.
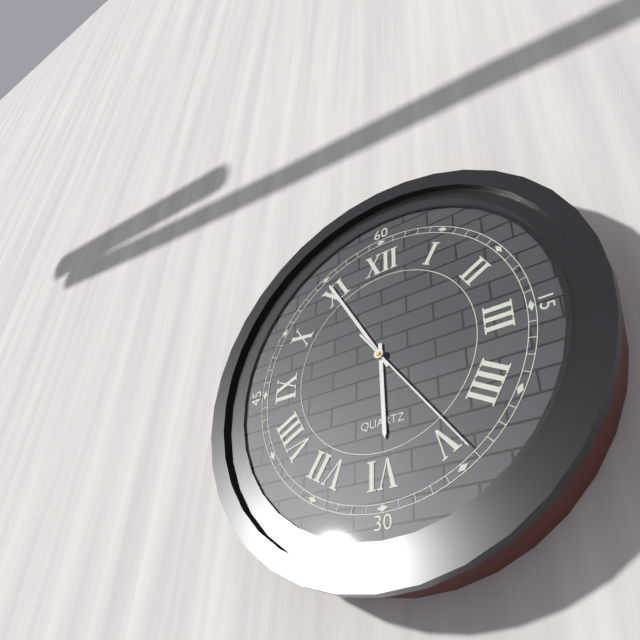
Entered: 5,55,24
